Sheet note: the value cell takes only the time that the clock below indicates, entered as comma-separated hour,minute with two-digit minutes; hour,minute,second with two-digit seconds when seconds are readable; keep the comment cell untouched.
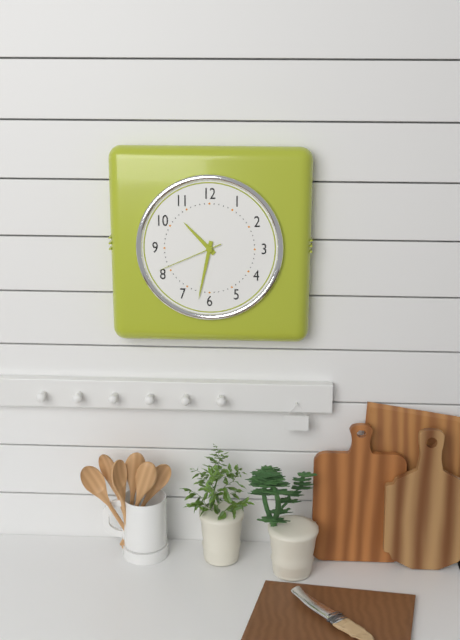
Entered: 10,32,41
